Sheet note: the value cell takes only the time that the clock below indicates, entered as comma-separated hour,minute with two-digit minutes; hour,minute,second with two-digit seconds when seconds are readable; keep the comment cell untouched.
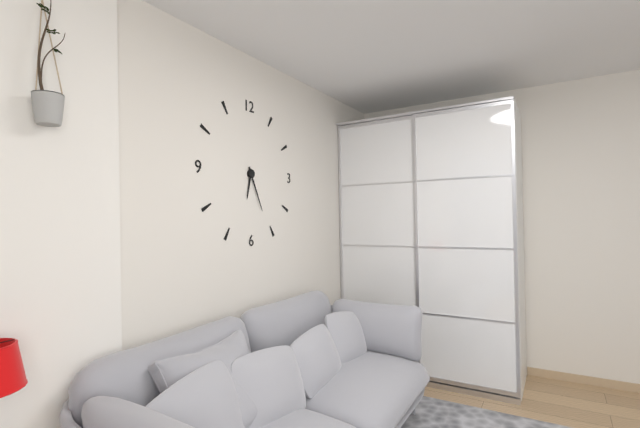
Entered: 6,26
